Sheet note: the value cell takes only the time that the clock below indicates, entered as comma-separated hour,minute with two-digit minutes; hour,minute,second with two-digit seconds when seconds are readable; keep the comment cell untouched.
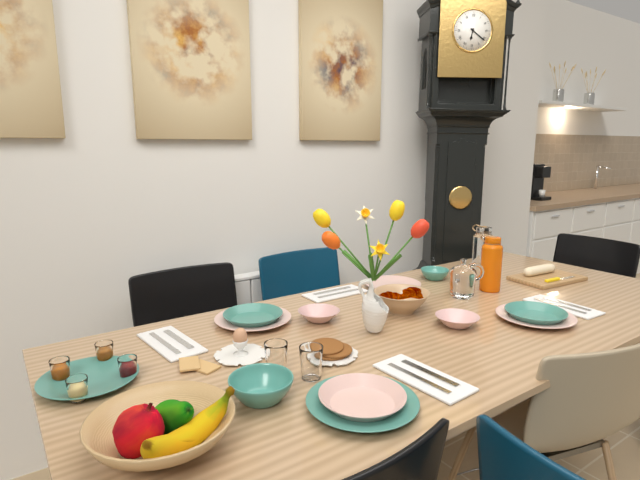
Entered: 6,21
